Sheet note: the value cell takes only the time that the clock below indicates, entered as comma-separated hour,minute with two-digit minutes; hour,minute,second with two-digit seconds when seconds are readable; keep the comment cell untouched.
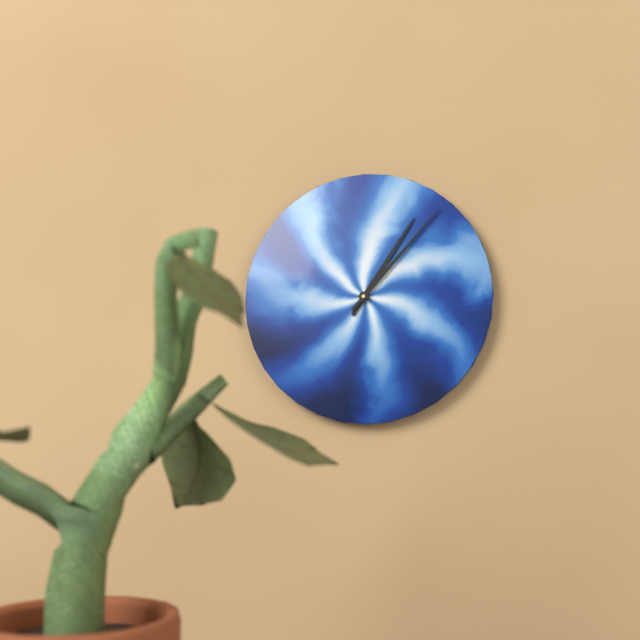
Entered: 1,07
